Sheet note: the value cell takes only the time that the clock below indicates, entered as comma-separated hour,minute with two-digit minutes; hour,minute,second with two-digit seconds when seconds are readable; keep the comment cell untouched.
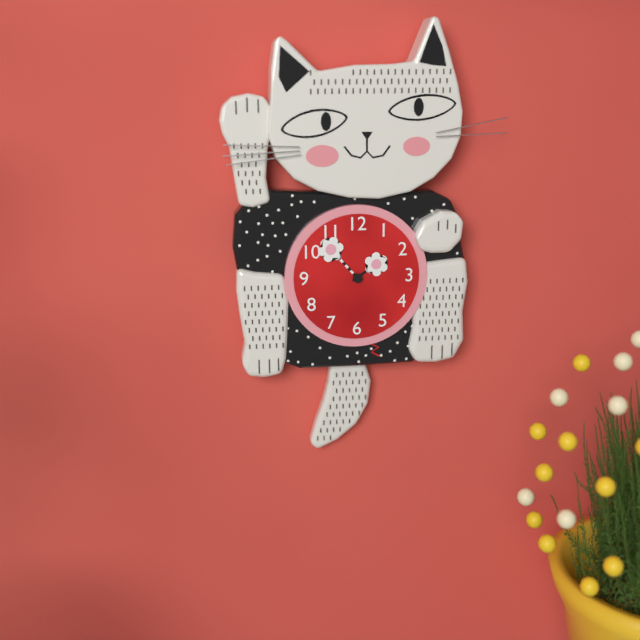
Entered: 1,53
